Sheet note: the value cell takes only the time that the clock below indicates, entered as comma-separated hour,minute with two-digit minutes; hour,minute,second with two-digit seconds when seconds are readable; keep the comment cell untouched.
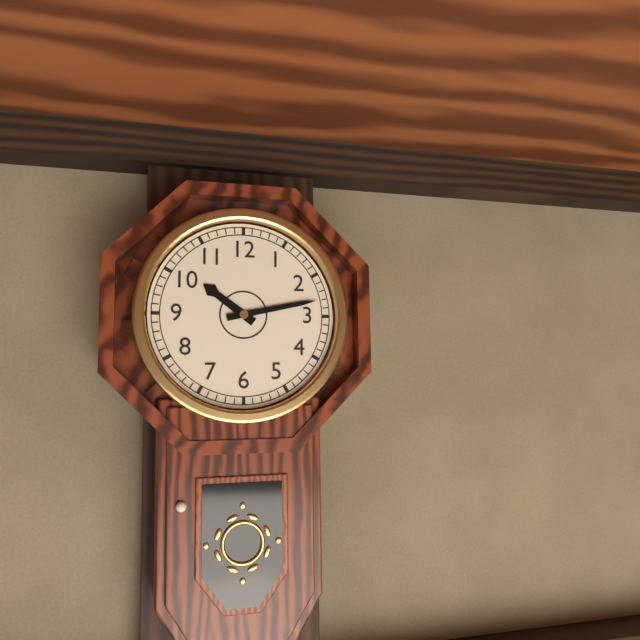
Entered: 10,13
